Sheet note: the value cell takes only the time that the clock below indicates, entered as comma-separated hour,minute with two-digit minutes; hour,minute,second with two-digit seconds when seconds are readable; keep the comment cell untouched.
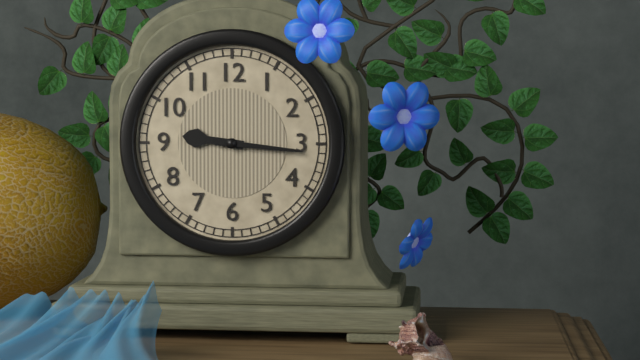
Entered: 9,16
